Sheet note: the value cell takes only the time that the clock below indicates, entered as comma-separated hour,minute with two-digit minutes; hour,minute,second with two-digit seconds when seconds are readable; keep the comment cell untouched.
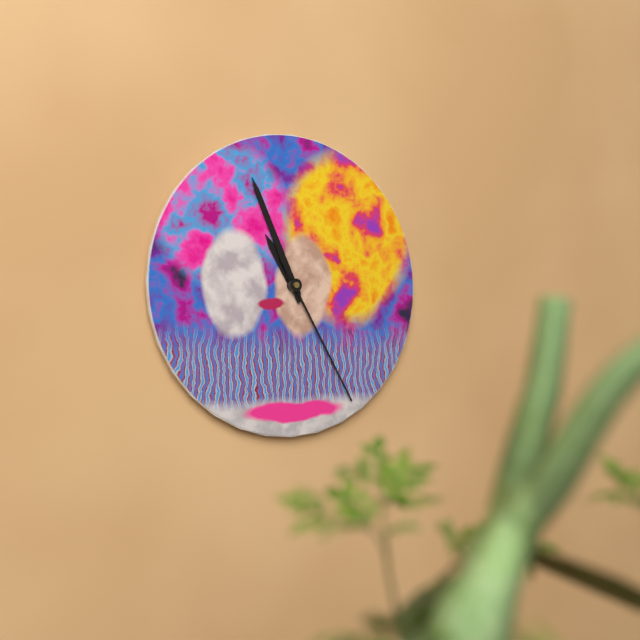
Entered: 10,56,25
